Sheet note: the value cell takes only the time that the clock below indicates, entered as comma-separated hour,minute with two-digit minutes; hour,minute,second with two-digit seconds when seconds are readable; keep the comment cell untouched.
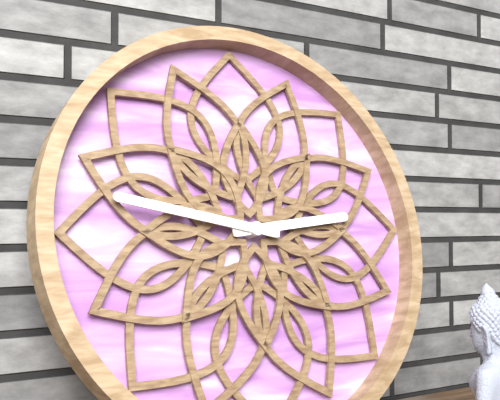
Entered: 2,47
